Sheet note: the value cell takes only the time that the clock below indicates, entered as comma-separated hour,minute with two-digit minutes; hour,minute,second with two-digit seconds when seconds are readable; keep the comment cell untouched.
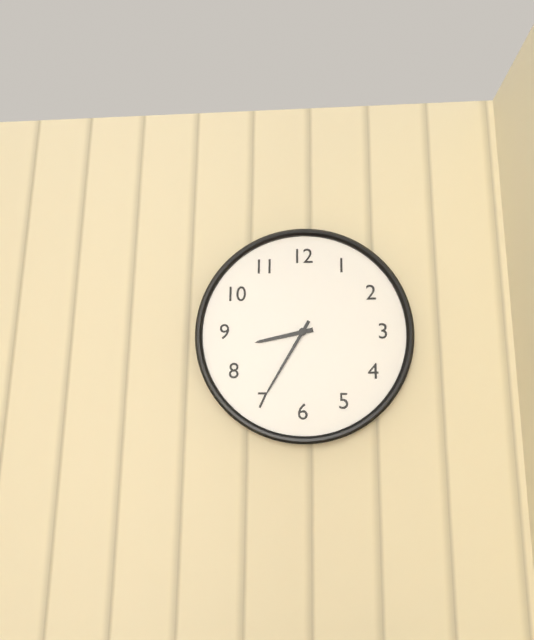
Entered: 8,35
